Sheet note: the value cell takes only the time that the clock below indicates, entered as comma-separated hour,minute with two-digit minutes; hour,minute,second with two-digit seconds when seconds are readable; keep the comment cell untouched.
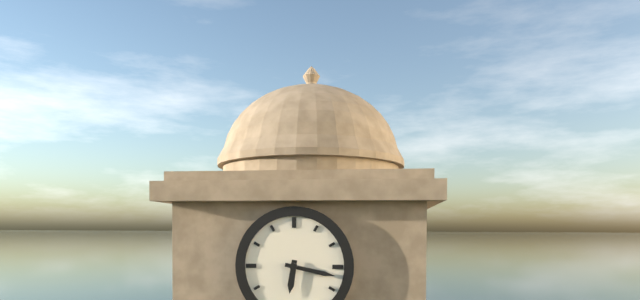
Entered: 6,17
